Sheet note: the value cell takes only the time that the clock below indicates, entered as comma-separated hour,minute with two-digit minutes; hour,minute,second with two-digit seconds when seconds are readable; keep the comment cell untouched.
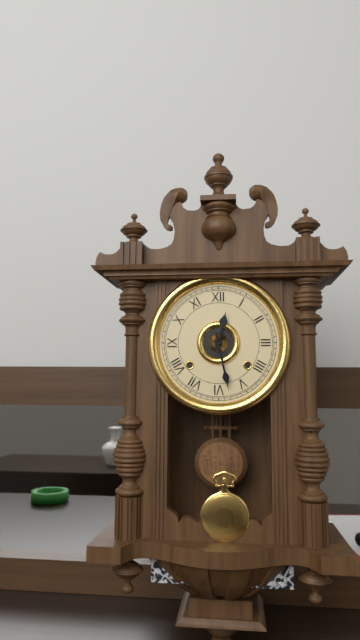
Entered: 12,28
